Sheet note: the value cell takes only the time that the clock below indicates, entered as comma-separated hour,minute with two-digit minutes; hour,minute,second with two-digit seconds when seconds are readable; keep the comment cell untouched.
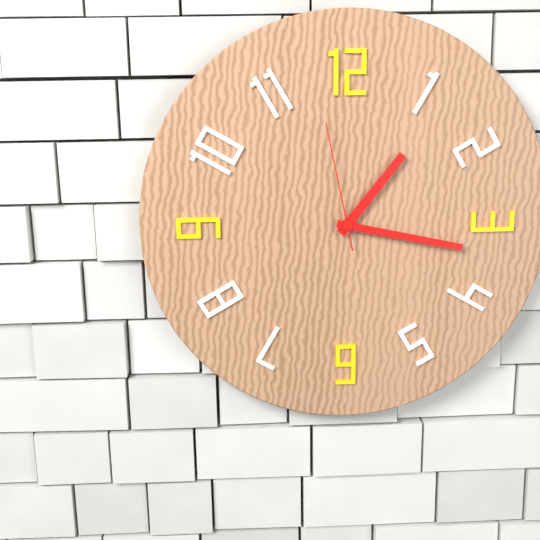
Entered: 1,17,58
